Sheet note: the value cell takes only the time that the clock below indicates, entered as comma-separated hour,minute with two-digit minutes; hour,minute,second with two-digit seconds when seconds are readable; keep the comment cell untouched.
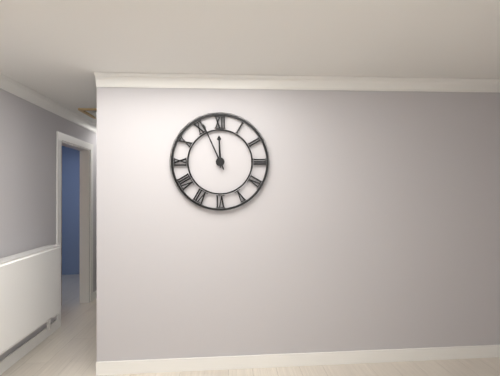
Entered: 11,56
